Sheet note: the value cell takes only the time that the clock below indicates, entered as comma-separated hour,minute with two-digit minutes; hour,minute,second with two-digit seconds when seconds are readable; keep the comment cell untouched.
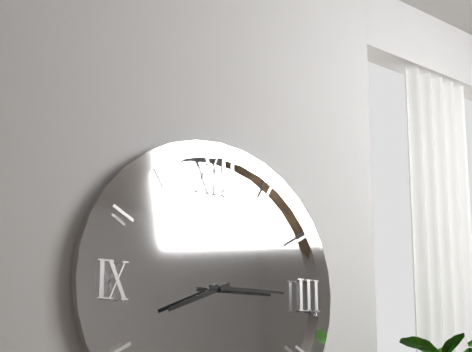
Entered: 8,15
